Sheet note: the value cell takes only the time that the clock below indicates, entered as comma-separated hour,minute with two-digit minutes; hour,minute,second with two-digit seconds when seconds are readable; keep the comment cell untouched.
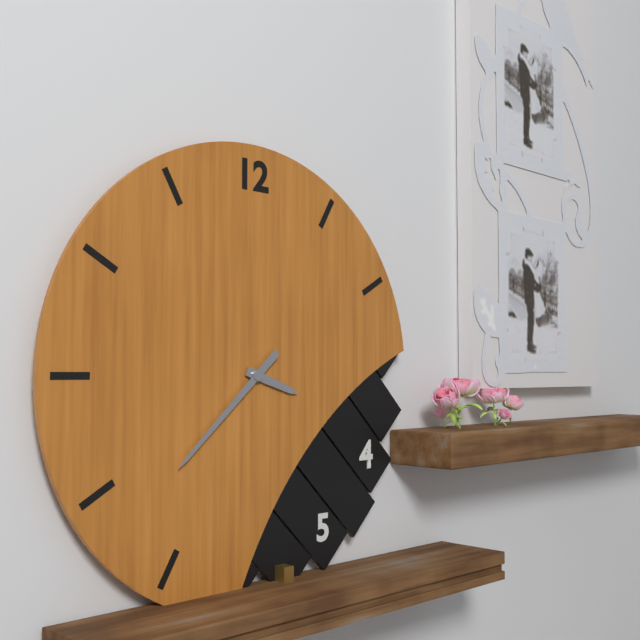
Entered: 3,38
